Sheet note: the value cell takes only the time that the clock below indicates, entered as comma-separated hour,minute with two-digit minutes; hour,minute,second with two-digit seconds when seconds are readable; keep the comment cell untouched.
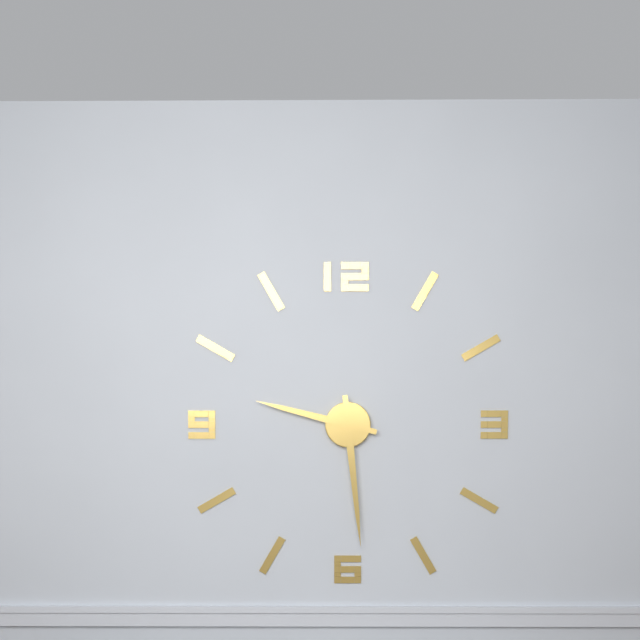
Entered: 9,29
